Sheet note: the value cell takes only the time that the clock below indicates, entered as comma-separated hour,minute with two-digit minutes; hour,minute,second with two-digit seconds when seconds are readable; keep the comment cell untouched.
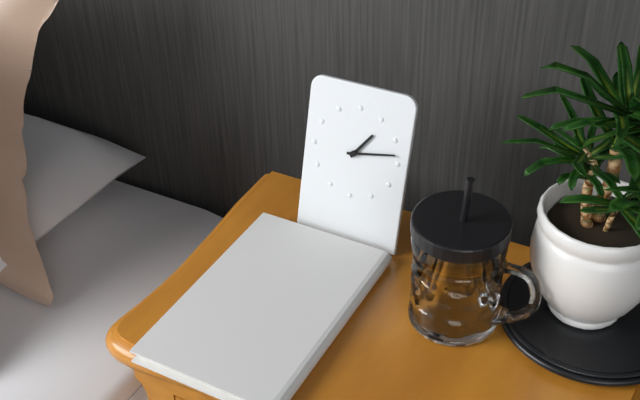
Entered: 1,13
